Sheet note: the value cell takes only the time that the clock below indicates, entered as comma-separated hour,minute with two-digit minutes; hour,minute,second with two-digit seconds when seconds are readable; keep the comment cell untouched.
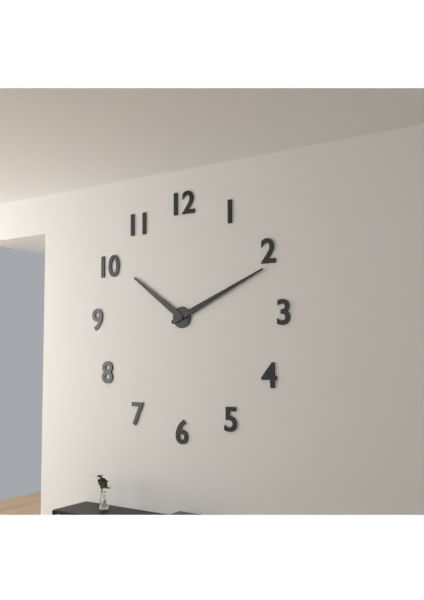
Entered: 10,11
